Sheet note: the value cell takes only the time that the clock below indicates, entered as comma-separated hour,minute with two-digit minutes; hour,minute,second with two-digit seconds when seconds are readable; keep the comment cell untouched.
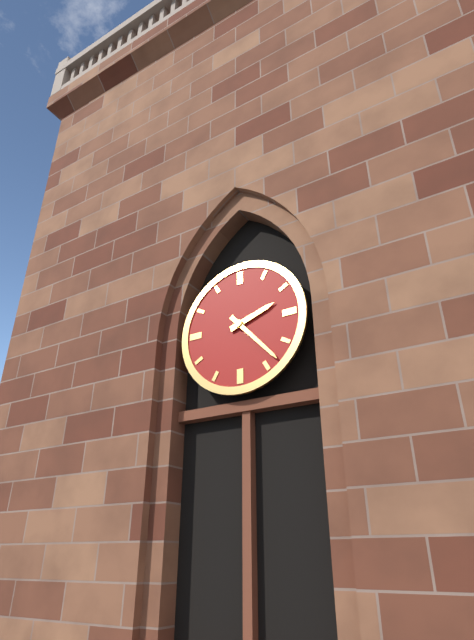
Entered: 2,23
